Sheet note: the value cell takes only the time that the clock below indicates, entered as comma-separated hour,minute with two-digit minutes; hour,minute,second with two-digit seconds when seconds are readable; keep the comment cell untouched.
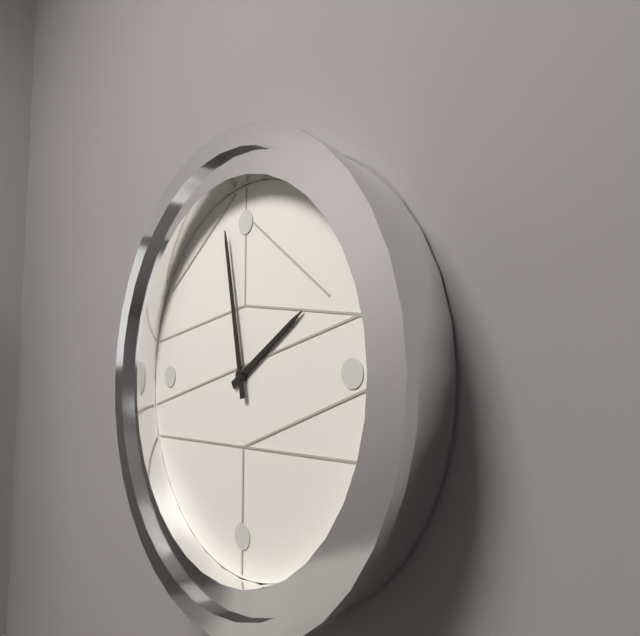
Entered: 1,58
